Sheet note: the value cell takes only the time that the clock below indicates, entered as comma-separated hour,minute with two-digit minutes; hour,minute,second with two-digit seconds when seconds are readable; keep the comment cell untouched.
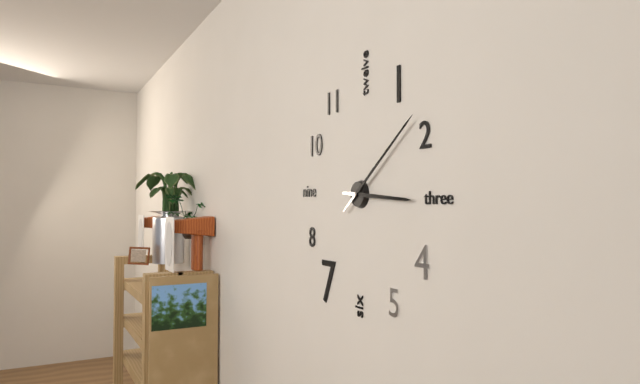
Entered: 3,09
